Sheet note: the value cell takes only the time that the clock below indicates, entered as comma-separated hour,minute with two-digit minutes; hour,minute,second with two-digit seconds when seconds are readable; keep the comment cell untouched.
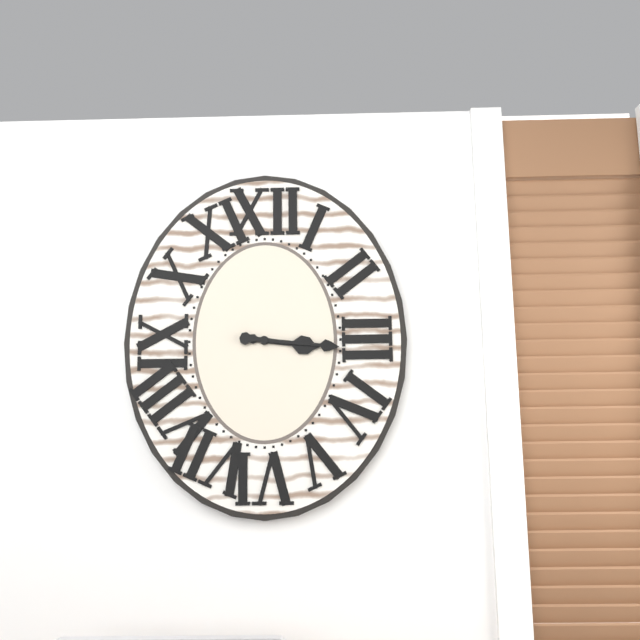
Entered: 3,16
